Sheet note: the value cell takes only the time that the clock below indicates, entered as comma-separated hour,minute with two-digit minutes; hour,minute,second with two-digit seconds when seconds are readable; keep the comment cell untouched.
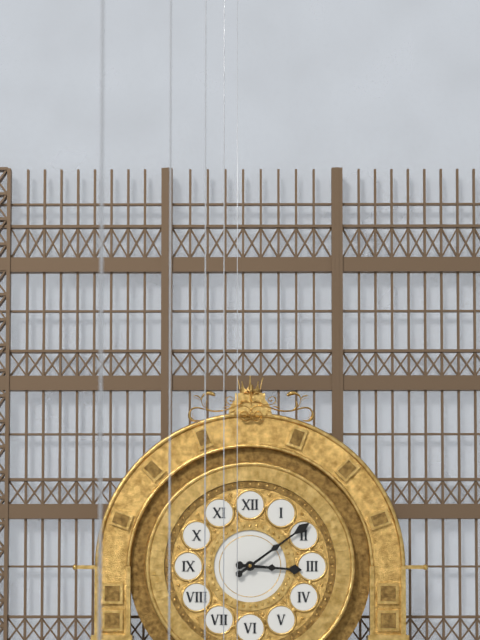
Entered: 3,09
